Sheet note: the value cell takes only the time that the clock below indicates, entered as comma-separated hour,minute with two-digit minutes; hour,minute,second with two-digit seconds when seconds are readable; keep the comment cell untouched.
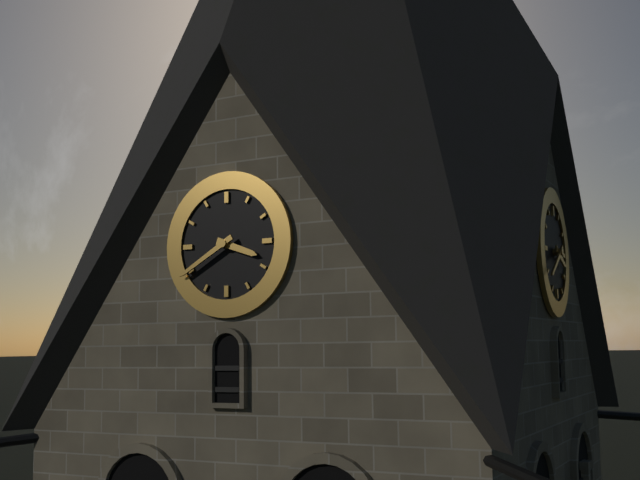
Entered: 3,40
